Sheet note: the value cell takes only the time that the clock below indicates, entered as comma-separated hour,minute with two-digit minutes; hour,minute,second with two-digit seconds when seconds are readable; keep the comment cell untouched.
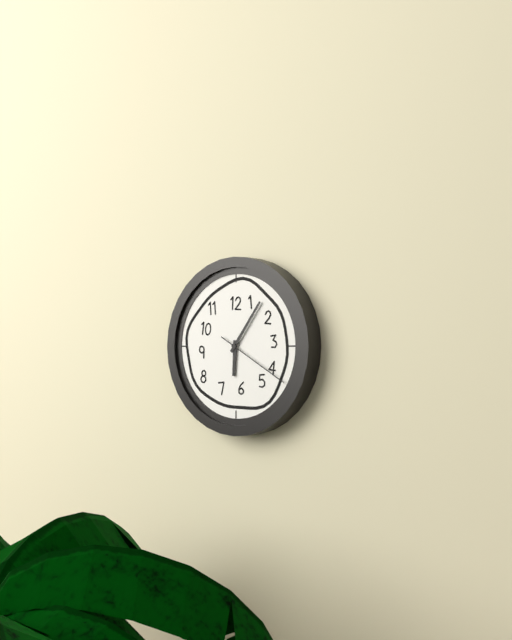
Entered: 6,06,20
